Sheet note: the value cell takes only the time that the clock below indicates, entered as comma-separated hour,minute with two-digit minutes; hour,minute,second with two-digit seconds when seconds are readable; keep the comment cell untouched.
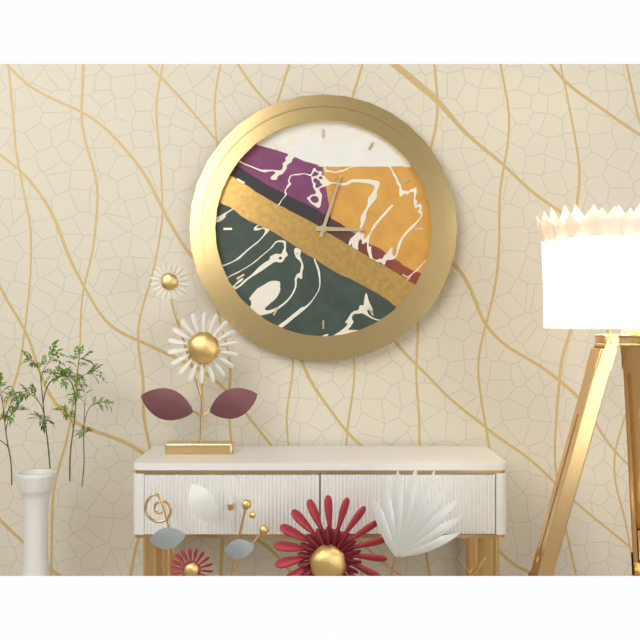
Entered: 3,03
